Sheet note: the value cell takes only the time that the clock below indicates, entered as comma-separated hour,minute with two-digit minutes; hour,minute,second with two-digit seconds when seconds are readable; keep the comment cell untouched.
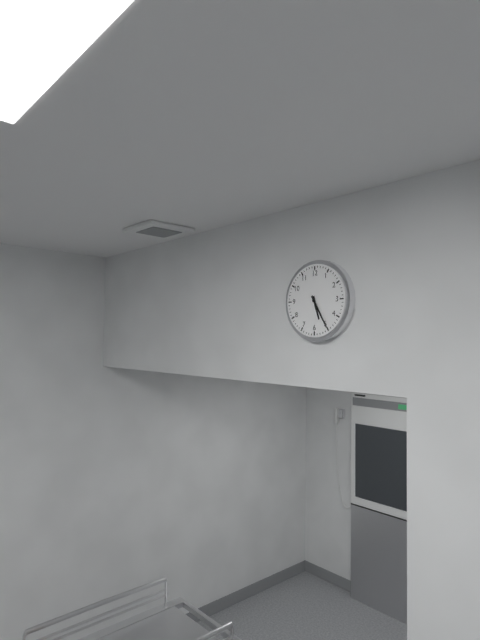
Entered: 5,25
